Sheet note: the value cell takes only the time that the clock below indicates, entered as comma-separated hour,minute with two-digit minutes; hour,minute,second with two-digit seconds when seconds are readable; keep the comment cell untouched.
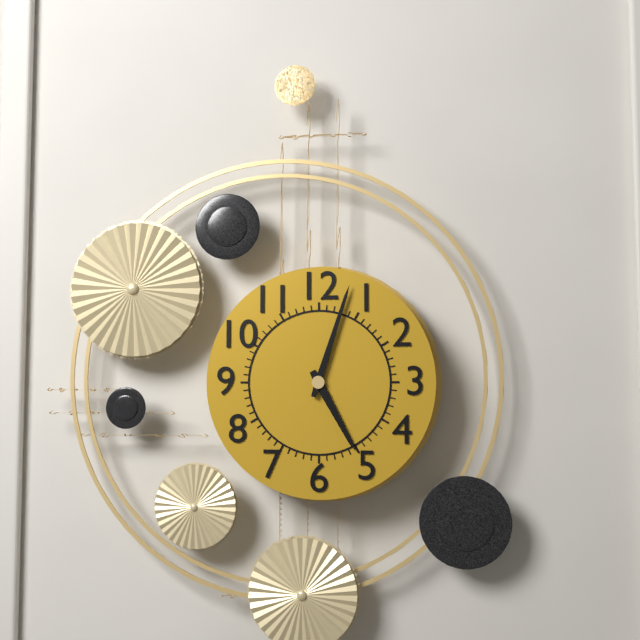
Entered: 5,03
